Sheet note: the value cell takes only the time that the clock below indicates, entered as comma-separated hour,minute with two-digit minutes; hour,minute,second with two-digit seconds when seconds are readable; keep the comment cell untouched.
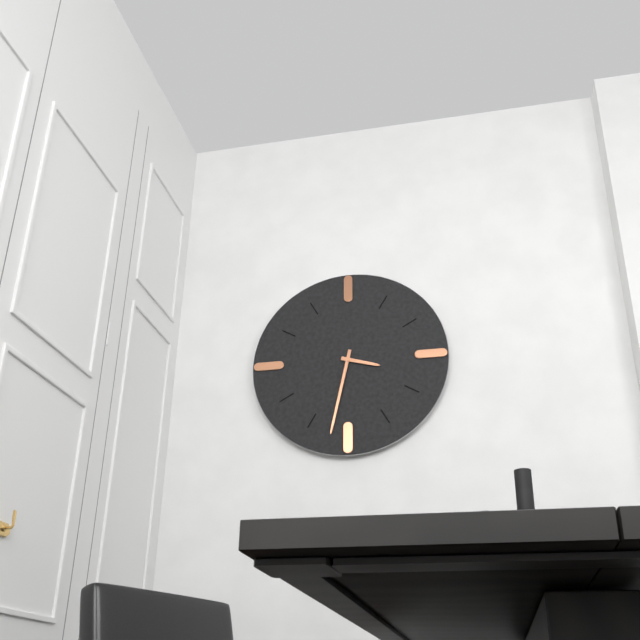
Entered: 3,32
